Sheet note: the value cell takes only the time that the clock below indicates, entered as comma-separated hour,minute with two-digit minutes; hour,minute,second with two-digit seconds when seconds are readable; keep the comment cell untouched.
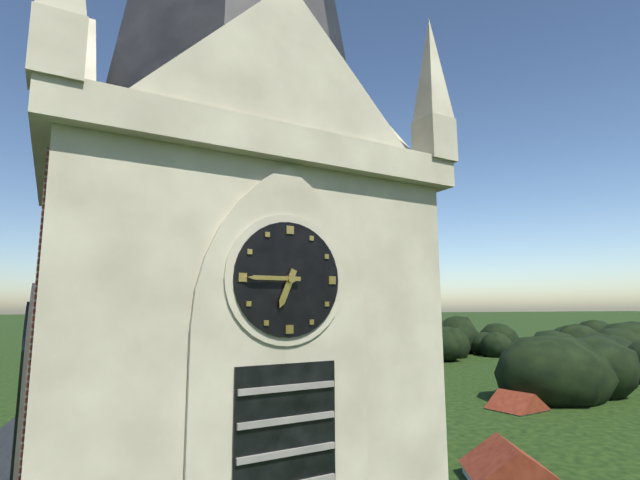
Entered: 6,45
